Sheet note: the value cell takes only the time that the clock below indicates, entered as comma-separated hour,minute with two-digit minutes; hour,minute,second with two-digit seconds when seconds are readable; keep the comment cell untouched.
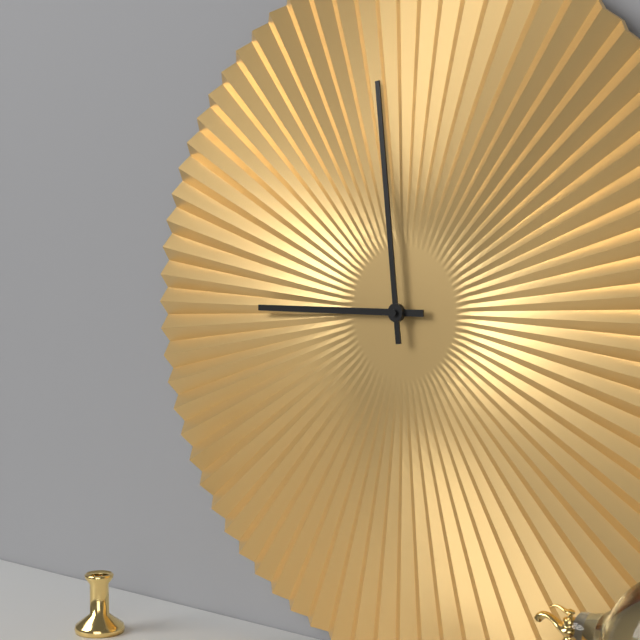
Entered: 8,59
